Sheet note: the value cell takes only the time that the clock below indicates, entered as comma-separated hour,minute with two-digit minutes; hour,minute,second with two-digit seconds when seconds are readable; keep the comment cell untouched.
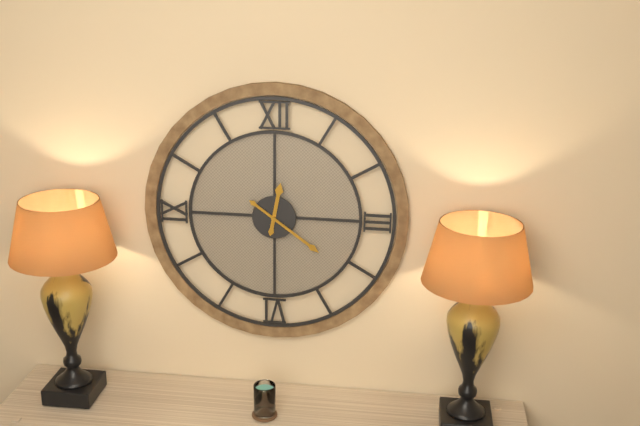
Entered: 12,21
